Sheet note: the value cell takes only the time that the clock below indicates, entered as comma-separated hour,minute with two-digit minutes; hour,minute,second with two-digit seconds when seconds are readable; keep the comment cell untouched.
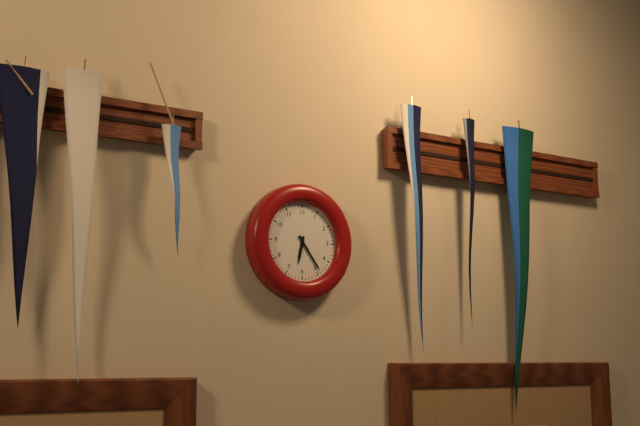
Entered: 6,24
